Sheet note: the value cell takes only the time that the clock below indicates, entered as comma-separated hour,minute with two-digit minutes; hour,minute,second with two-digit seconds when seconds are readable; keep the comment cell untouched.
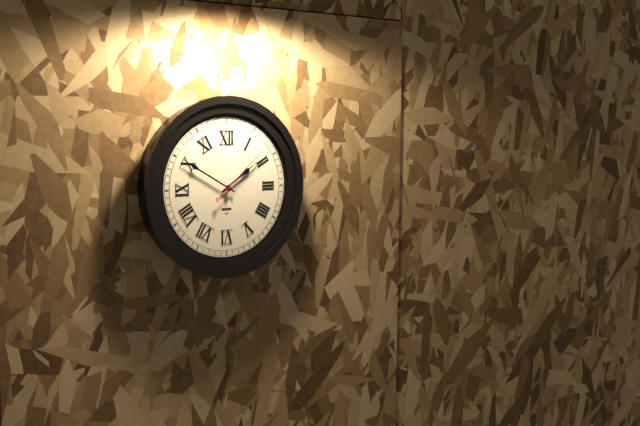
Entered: 1,50,08
